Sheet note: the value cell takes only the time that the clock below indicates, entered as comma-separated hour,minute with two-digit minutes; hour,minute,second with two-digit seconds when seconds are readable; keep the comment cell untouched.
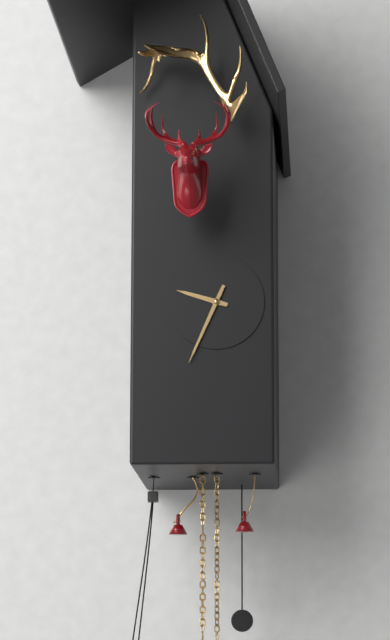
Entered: 9,34
